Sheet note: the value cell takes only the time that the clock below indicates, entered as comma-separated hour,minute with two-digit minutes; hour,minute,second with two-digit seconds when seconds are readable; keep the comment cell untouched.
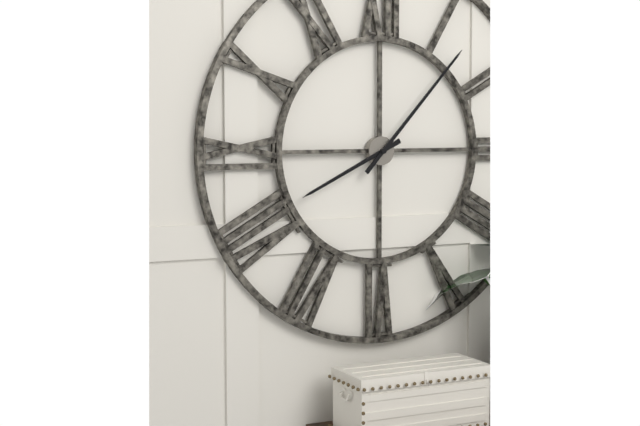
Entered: 8,07
